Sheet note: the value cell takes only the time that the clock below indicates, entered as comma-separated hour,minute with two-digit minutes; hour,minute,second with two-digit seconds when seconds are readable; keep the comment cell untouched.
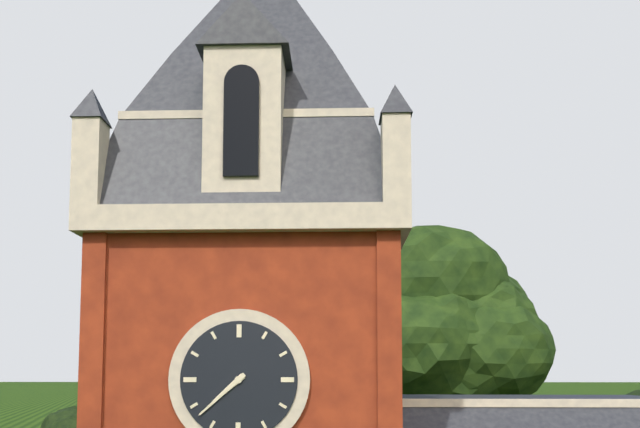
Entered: 7,38
